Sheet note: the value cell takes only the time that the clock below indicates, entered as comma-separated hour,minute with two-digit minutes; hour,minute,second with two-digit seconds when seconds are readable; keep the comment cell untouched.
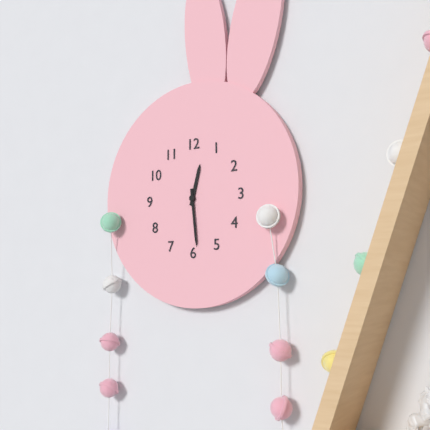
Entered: 12,29
